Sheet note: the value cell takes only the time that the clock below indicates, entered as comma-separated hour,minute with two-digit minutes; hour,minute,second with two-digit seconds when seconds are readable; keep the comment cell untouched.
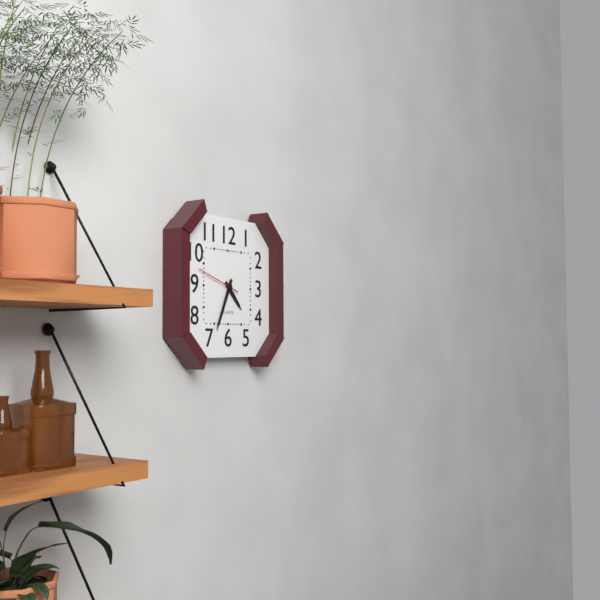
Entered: 4,34
